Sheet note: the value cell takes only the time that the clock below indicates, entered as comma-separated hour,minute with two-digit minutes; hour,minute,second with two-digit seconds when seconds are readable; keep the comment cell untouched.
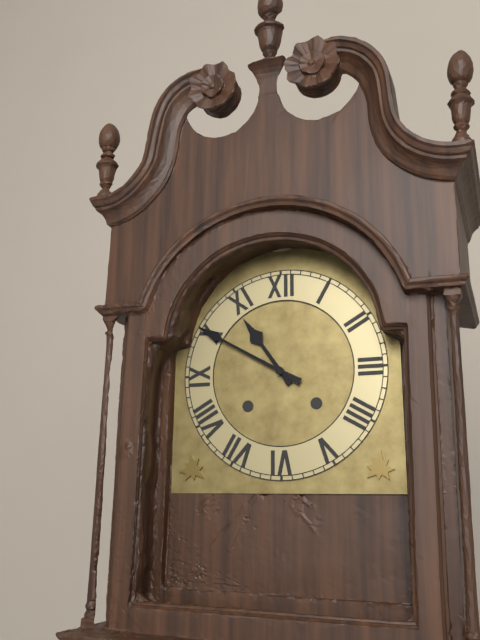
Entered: 10,50
